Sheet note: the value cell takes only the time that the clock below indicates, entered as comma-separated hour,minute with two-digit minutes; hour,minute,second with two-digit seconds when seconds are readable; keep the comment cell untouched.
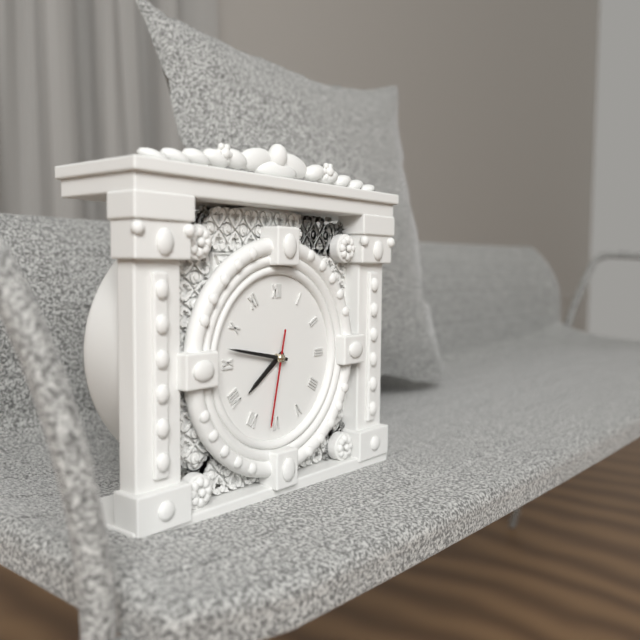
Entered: 7,47,32
